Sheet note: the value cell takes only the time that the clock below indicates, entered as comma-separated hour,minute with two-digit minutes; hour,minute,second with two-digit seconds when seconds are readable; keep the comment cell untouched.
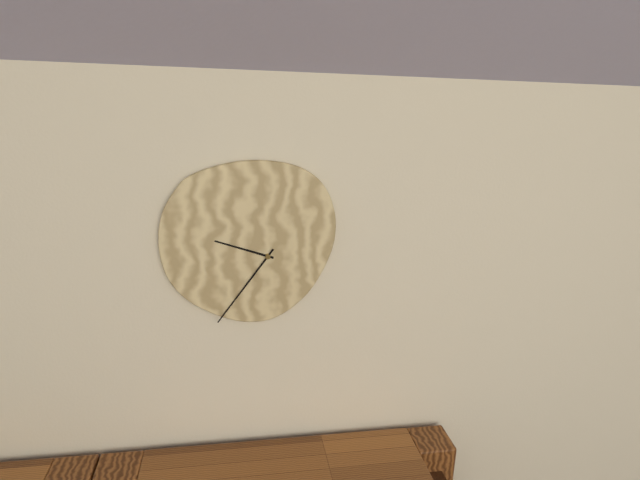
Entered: 9,36
